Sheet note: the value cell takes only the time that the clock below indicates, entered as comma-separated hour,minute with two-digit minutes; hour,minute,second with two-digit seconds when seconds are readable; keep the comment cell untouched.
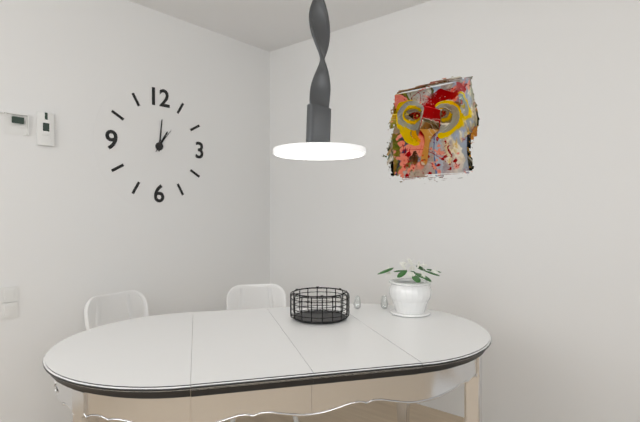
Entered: 1,01
